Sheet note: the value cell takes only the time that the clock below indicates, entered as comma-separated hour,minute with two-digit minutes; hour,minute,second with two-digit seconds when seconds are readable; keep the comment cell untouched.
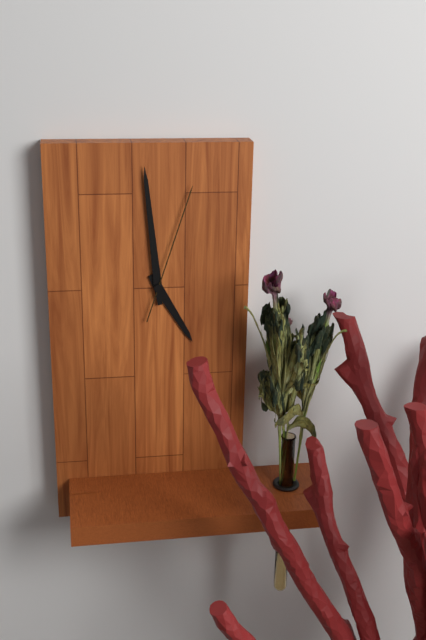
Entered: 4,59,03
